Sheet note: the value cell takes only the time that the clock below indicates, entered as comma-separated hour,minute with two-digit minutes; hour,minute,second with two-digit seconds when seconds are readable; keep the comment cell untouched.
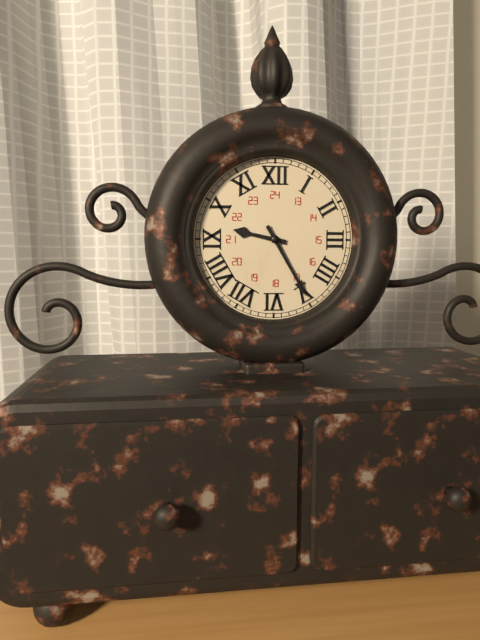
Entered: 9,25
